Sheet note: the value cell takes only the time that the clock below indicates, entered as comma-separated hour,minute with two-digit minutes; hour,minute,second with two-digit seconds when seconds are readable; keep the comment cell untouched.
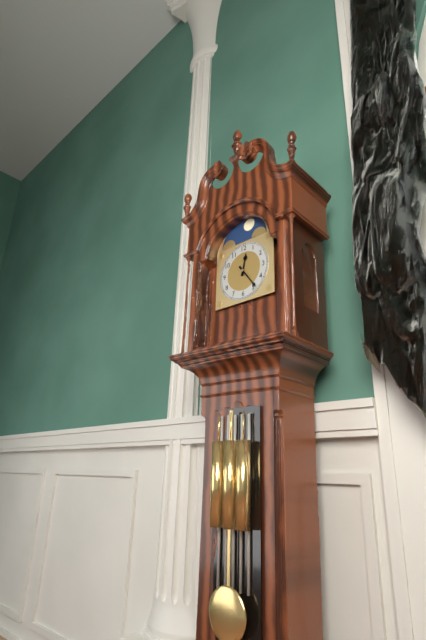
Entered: 12,24
